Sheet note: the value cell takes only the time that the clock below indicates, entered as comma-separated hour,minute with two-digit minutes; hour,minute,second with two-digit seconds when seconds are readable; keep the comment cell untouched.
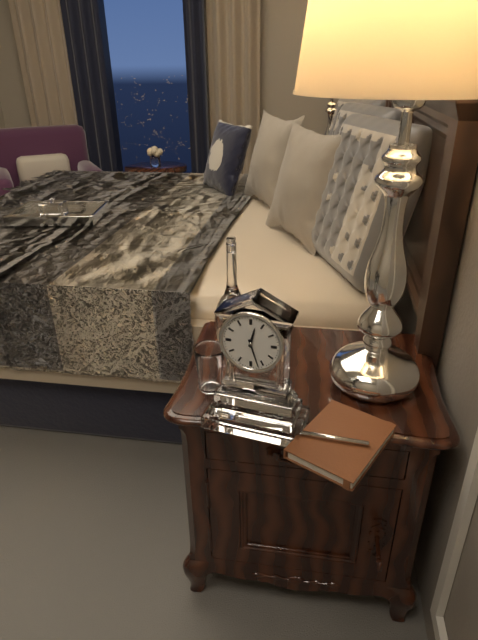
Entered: 12,27
